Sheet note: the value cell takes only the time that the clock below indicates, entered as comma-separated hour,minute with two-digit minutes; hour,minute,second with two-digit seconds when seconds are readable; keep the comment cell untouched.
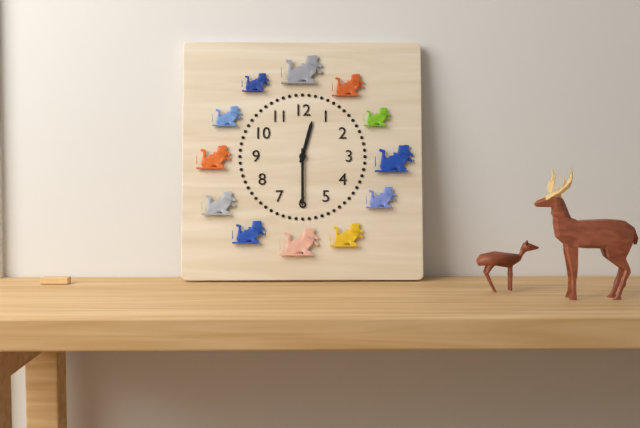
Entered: 12,30
